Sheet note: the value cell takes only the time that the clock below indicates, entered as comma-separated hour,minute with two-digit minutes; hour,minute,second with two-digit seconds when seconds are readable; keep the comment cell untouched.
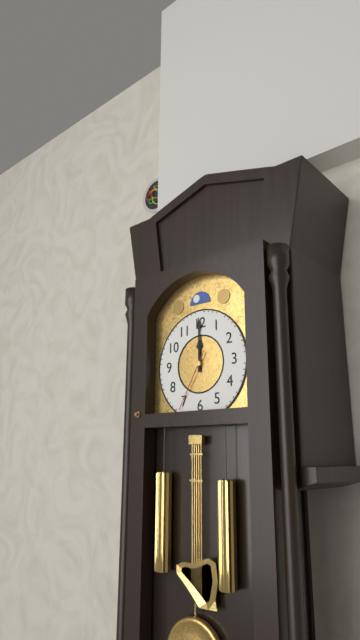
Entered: 12,00,35
